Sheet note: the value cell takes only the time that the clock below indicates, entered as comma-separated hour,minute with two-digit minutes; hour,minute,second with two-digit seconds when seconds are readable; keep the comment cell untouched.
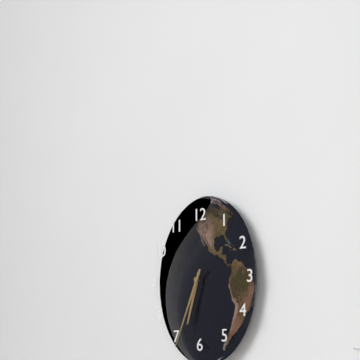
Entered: 6,34
